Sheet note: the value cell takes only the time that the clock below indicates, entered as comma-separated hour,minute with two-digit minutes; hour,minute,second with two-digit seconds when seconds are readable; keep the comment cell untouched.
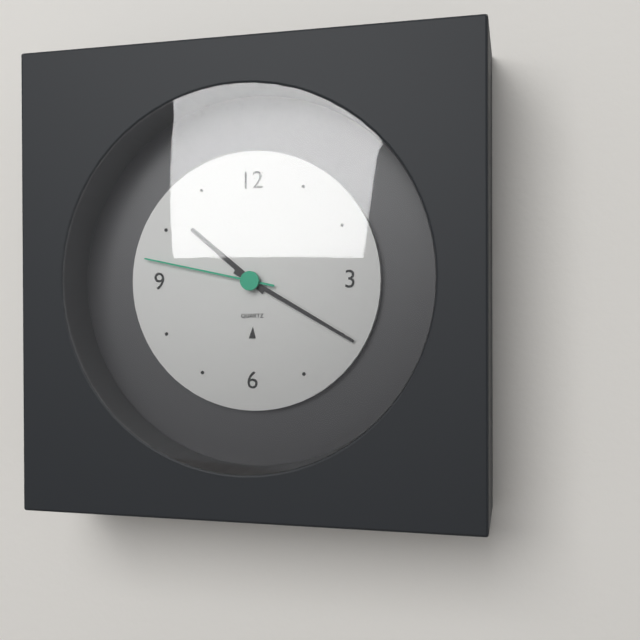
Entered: 10,20,47
